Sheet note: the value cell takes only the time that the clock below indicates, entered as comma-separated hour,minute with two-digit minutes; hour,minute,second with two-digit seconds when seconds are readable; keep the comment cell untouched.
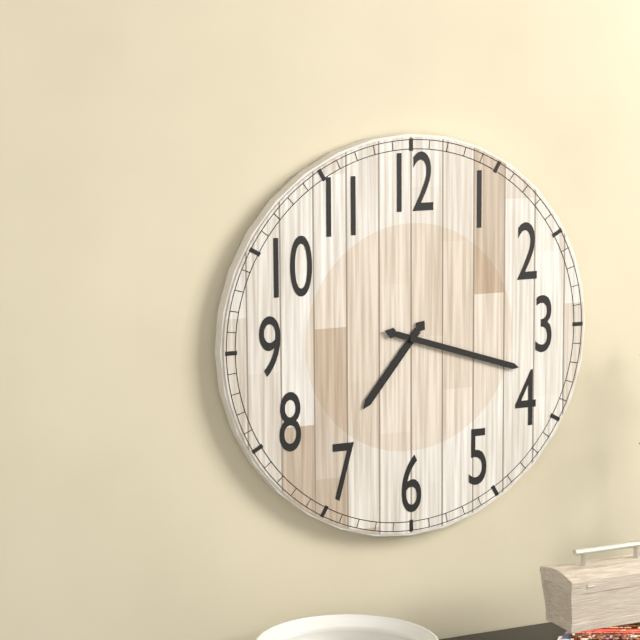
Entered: 7,18
